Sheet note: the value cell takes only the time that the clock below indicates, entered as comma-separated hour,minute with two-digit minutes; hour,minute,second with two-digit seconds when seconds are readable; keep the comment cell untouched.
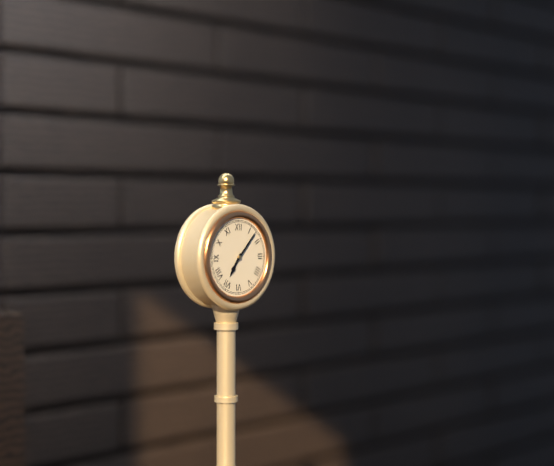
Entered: 7,07
